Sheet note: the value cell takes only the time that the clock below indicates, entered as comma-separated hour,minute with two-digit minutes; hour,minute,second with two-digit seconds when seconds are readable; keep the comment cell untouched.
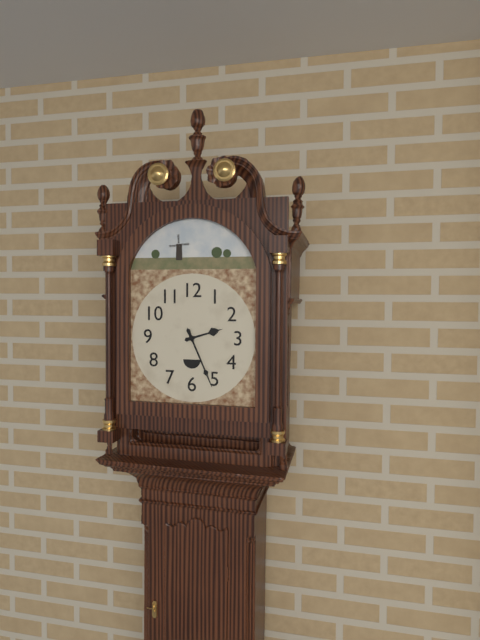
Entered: 2,26
